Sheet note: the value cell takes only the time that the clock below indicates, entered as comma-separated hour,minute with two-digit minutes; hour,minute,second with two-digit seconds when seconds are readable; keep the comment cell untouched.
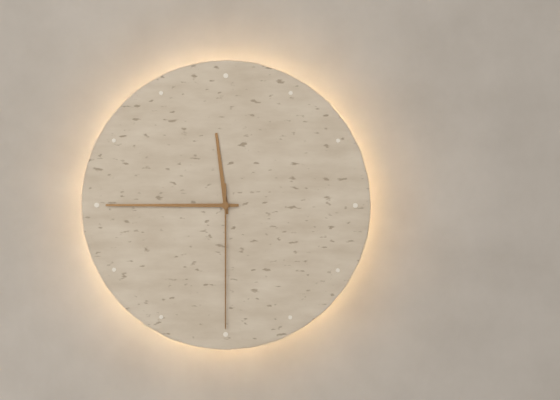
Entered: 11,45,30
